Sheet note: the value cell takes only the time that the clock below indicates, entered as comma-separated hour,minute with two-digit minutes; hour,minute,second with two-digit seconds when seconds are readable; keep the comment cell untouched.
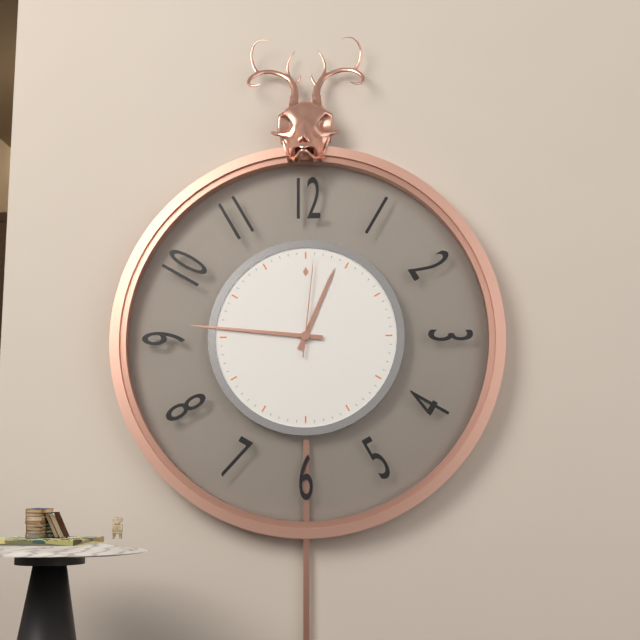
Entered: 12,46,01
